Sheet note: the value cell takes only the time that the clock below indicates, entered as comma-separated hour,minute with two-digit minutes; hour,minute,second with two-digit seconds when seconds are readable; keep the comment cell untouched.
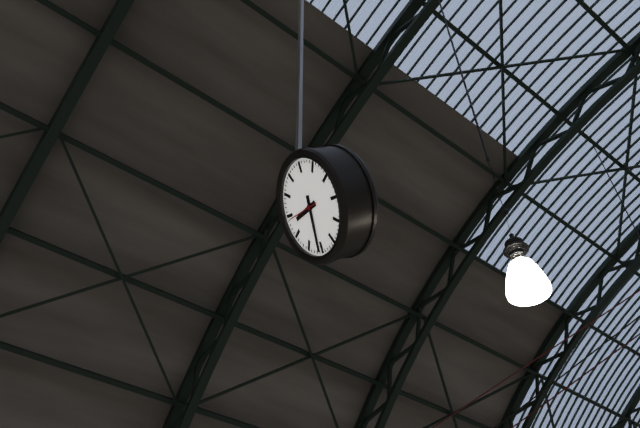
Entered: 9,36
